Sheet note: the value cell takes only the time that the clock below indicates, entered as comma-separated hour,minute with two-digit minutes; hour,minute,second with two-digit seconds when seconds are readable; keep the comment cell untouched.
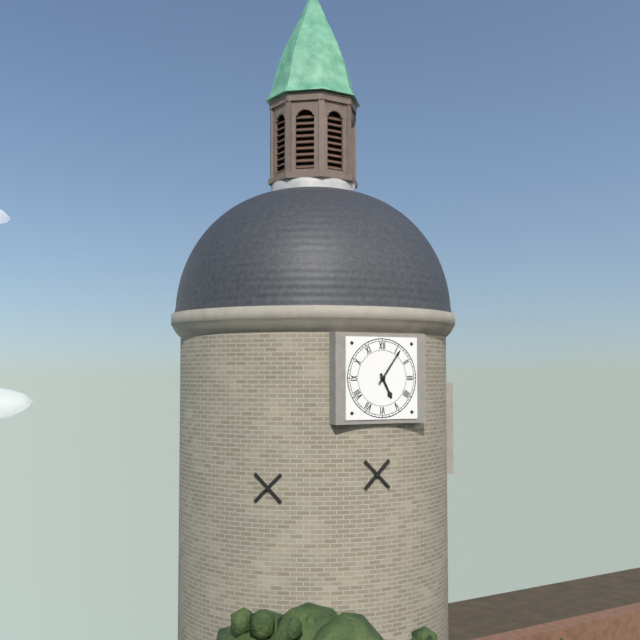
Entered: 5,06
